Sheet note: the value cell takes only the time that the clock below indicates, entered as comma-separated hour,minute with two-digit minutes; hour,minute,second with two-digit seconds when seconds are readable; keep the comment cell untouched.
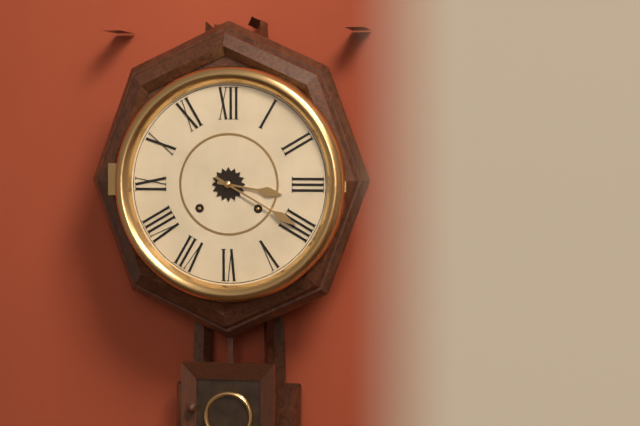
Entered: 3,20
